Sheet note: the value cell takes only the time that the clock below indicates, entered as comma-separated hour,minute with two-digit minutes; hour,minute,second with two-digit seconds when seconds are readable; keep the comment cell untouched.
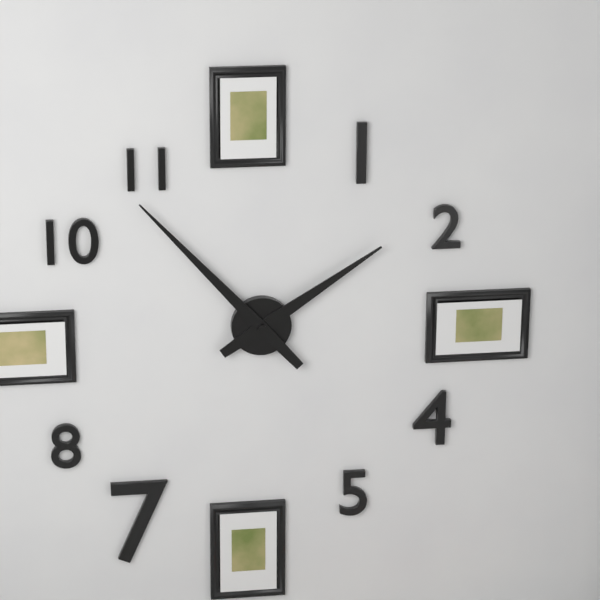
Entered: 1,53
